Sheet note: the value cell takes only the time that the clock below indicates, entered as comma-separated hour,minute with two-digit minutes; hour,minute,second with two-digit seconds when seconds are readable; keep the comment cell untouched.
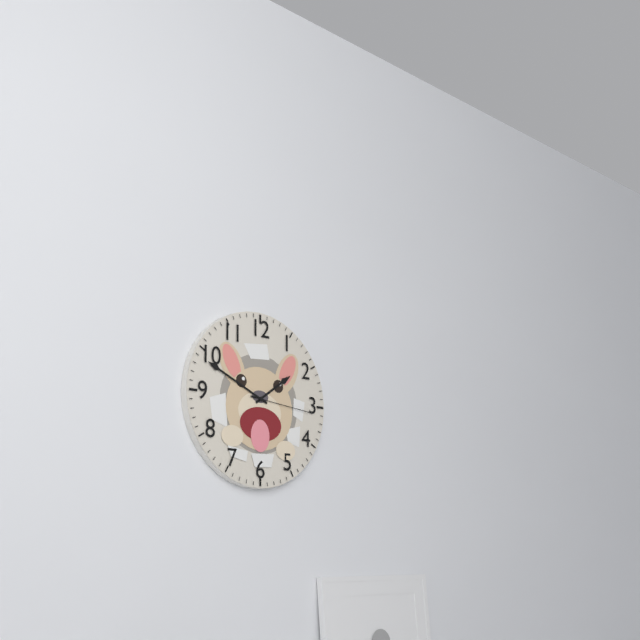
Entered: 1,49,16
